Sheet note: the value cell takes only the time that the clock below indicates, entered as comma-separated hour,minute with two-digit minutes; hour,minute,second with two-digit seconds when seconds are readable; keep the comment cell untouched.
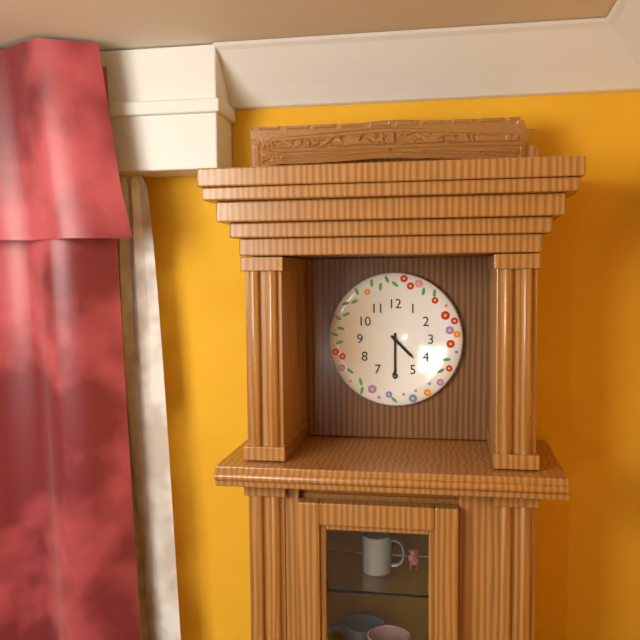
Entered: 4,30
